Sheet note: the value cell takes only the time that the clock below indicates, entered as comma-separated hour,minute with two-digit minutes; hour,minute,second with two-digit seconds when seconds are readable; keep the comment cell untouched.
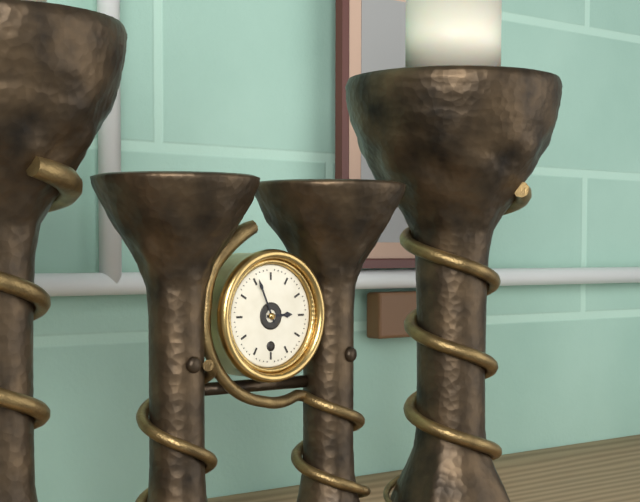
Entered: 2,56
